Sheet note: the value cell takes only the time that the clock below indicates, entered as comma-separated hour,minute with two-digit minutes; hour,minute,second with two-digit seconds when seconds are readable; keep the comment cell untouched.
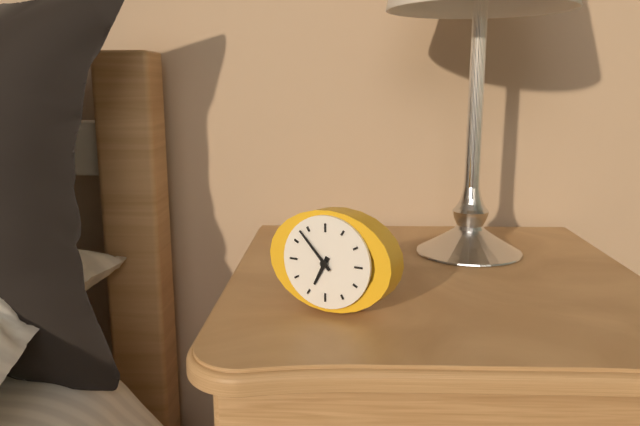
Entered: 6,53
